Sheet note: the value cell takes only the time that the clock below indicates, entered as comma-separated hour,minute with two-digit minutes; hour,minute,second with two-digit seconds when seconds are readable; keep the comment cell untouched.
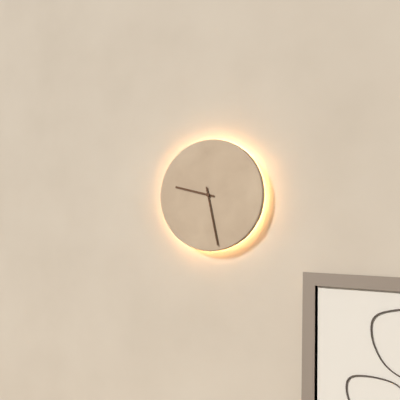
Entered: 9,28
